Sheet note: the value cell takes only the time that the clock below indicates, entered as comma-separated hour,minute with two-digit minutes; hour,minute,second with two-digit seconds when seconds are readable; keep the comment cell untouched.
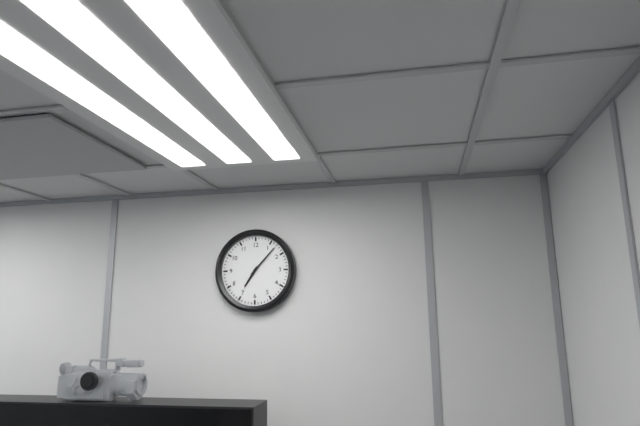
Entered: 7,07
